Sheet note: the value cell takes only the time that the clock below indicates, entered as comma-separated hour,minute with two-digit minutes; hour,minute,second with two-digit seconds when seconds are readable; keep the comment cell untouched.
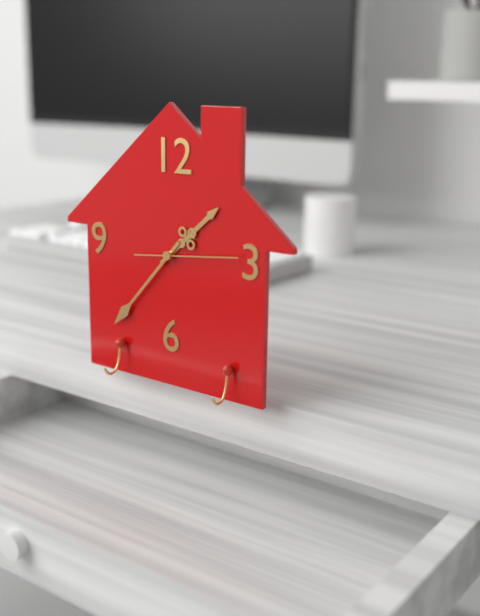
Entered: 1,37,14
